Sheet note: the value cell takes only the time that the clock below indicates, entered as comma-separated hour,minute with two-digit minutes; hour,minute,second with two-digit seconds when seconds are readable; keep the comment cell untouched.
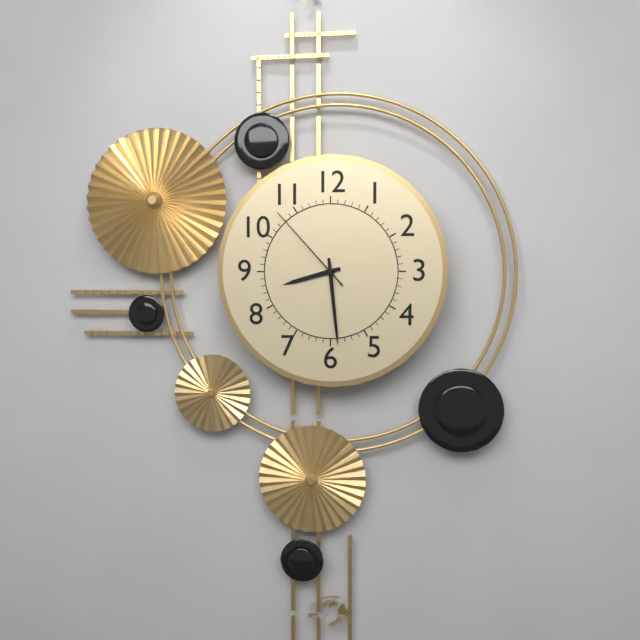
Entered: 8,29,53
